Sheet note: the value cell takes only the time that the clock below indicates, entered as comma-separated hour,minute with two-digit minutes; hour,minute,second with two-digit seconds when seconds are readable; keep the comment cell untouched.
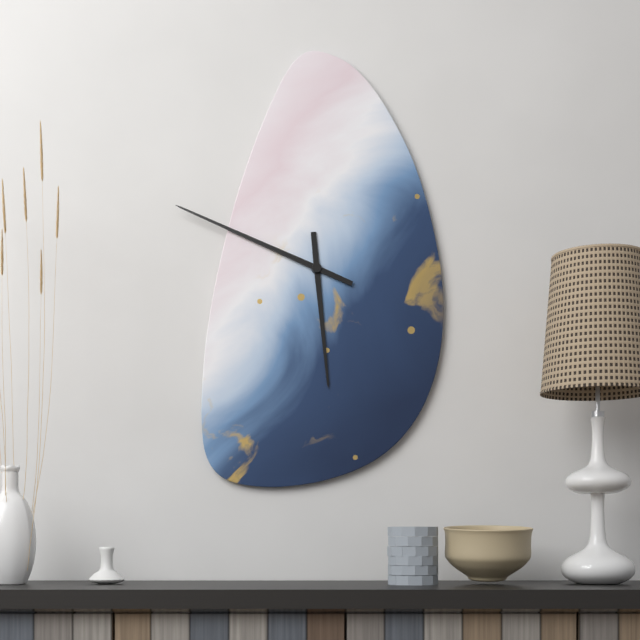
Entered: 5,49
